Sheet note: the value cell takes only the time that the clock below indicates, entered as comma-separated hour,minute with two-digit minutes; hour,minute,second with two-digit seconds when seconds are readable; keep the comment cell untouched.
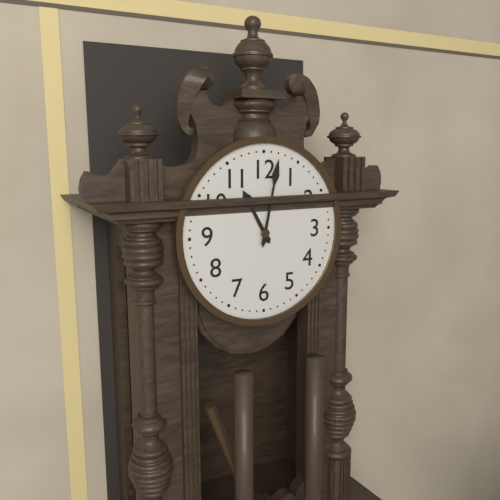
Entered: 11,02
